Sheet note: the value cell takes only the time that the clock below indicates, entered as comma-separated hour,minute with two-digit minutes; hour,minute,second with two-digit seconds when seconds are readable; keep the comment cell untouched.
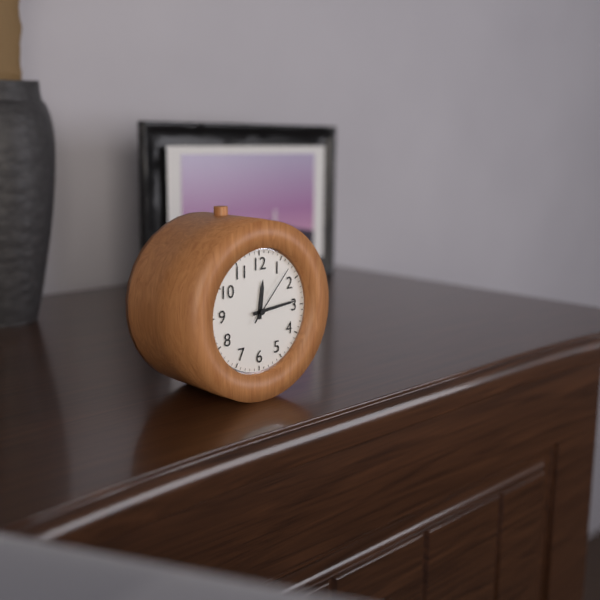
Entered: 12,14,07
